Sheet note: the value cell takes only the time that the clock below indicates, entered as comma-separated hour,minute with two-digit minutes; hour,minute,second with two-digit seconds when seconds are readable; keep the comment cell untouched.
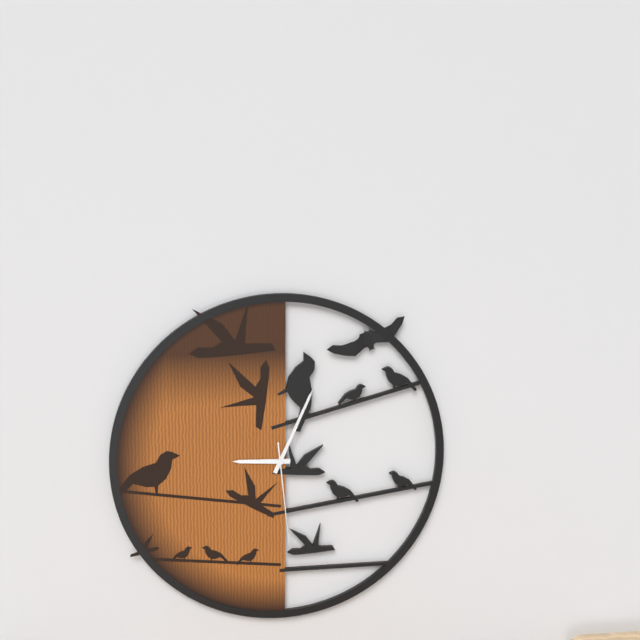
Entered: 9,04,29
